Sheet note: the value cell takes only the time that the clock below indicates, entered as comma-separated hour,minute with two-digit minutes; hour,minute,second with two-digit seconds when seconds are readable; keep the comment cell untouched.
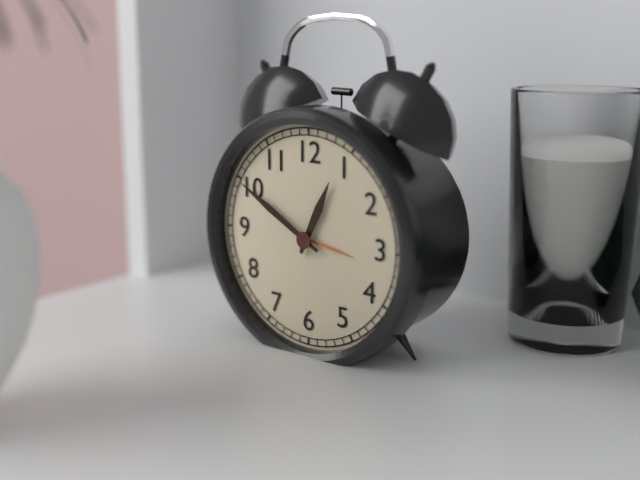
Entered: 12,50
